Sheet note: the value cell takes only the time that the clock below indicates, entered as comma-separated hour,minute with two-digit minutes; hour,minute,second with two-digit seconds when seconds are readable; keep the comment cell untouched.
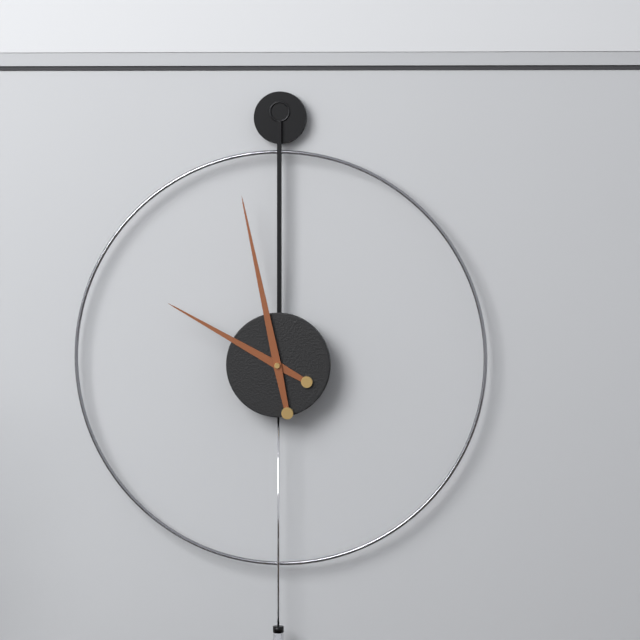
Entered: 9,58
